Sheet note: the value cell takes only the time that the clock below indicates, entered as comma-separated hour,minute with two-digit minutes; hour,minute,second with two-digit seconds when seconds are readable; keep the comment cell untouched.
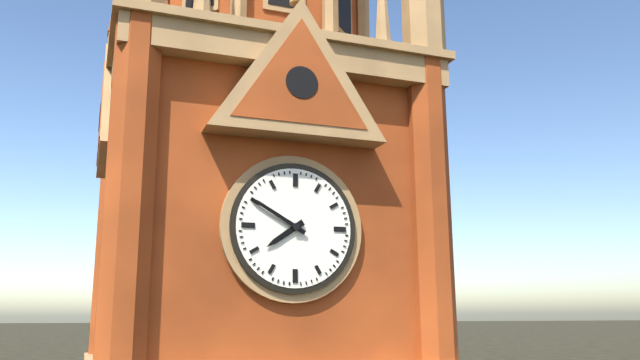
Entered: 7,50
